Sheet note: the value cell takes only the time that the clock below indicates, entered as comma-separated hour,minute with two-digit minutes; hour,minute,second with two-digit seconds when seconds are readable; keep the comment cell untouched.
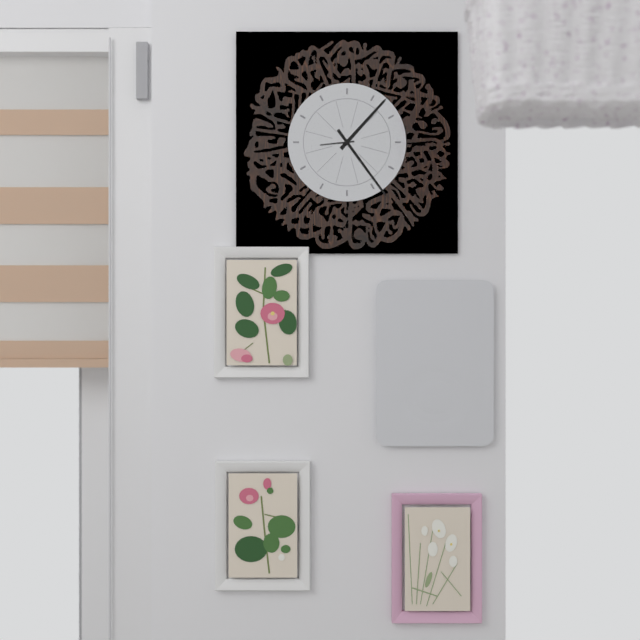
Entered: 1,24
